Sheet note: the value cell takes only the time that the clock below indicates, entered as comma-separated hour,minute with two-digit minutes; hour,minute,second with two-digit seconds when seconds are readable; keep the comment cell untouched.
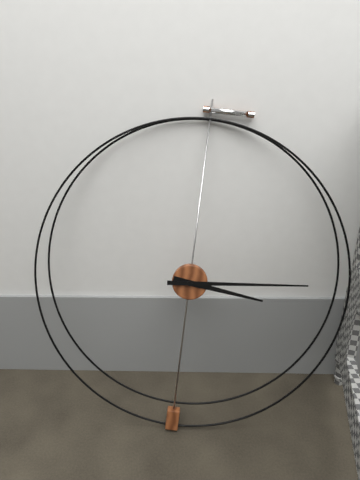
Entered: 3,14
